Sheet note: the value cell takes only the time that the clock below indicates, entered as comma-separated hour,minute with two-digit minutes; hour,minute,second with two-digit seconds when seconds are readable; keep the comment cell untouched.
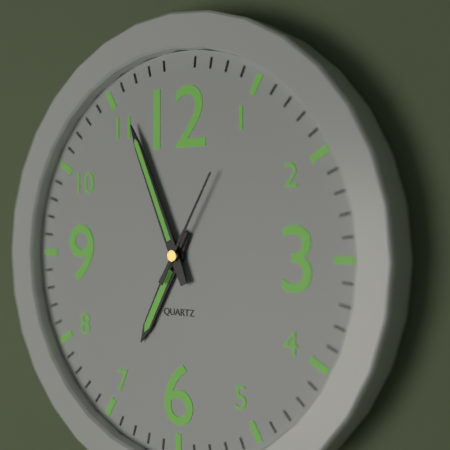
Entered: 6,56,05
